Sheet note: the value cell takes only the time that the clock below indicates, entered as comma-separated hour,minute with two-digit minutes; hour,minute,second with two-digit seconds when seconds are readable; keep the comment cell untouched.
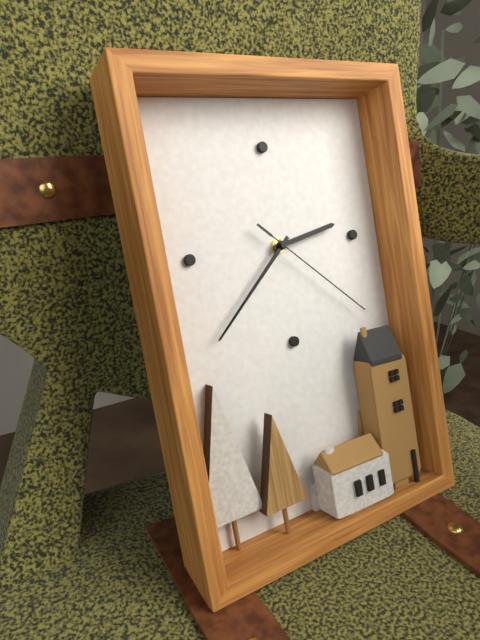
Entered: 2,38,22
